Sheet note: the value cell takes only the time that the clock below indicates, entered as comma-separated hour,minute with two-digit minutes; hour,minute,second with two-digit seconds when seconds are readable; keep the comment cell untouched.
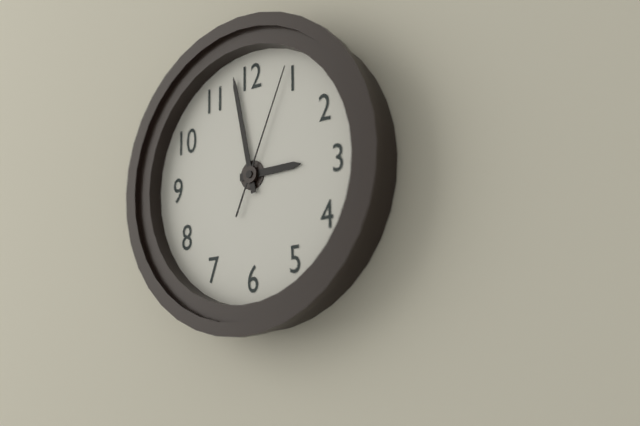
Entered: 2,58,04
